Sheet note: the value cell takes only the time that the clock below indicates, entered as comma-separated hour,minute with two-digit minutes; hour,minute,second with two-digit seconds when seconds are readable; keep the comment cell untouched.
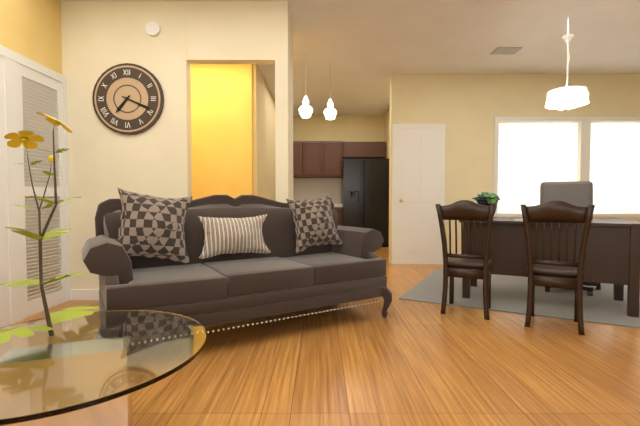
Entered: 7,19
